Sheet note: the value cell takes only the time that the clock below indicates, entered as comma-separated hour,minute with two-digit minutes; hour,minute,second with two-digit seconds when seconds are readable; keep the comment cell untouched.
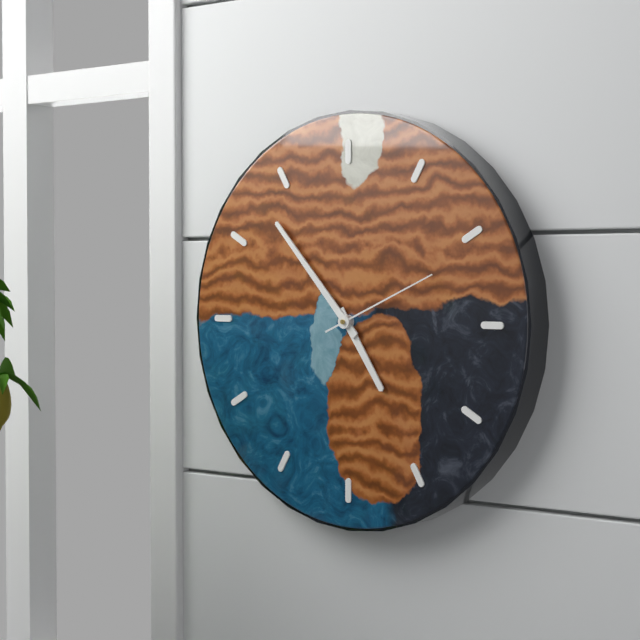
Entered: 4,53,11
